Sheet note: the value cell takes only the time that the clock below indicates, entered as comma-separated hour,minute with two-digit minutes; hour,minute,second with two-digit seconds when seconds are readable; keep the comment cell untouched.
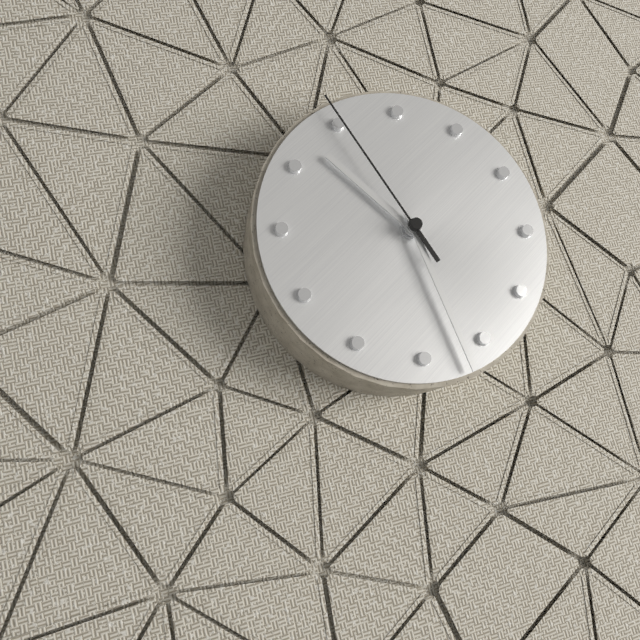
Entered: 10,27,55
